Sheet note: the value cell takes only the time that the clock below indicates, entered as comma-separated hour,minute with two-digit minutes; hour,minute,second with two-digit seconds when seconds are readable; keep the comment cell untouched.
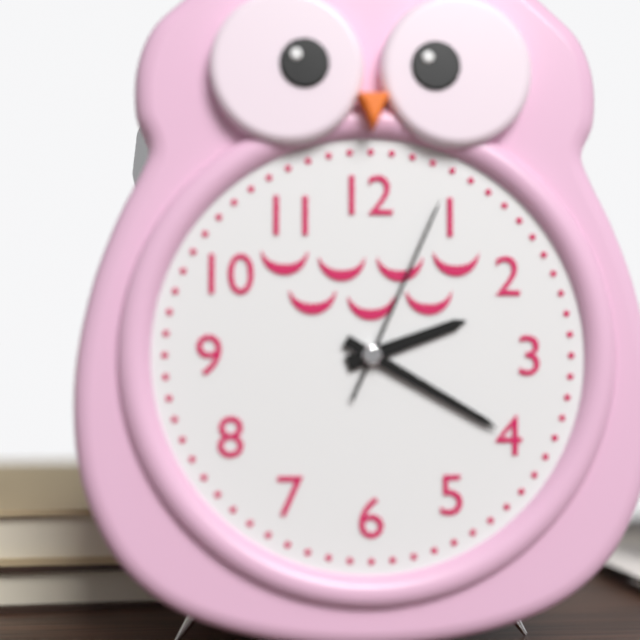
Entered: 2,20,04
